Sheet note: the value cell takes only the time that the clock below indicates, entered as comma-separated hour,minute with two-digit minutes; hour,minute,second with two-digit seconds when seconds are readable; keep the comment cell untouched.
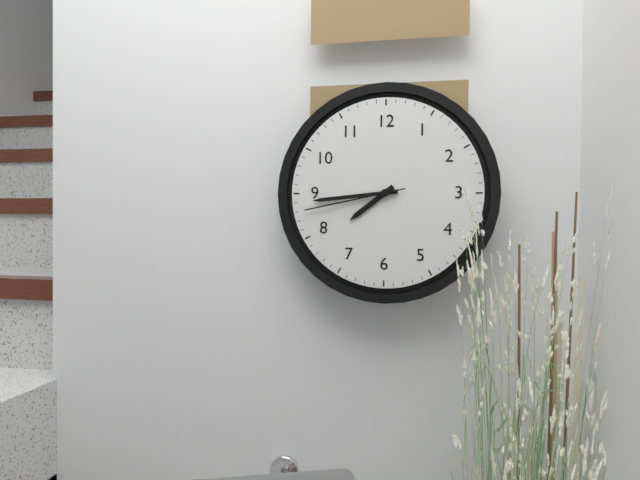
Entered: 7,44,43
